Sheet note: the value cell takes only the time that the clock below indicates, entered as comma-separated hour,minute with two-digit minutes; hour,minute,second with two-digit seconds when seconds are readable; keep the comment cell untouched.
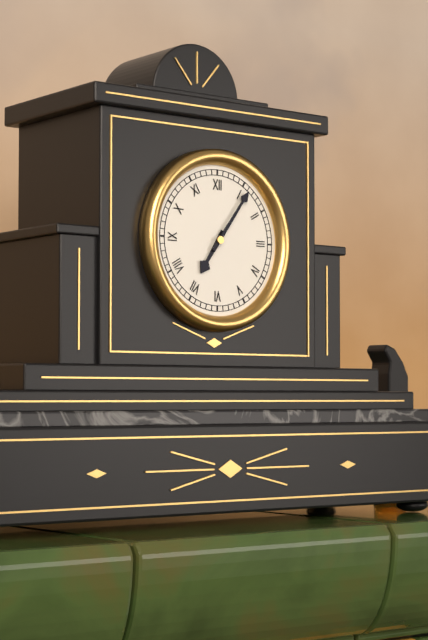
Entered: 7,06
